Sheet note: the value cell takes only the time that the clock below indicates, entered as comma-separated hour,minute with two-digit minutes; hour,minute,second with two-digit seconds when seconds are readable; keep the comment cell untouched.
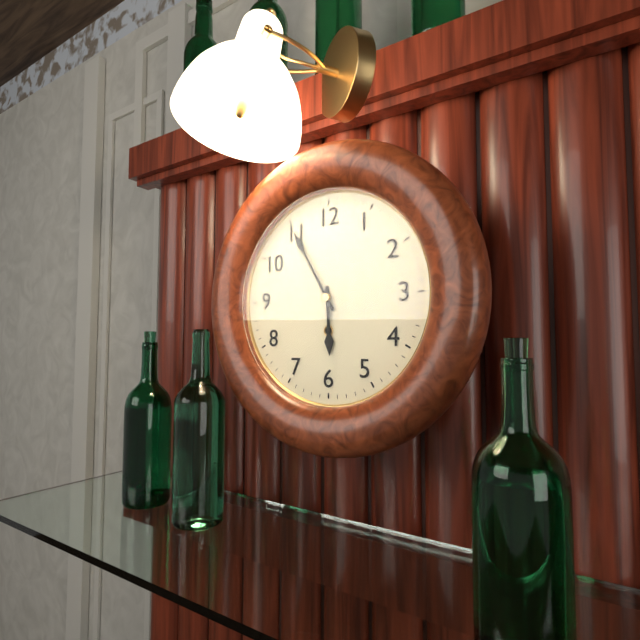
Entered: 5,55
